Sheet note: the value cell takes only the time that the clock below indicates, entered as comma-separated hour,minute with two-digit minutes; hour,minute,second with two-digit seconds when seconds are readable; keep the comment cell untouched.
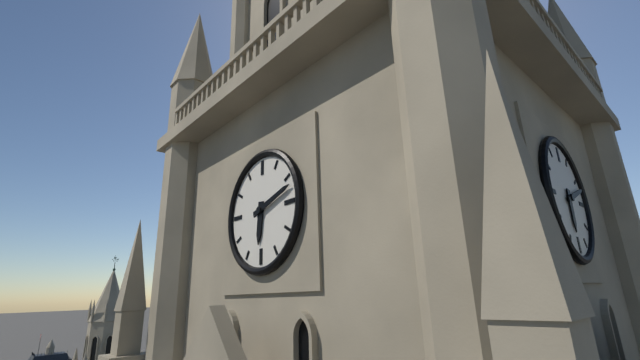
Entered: 6,12
